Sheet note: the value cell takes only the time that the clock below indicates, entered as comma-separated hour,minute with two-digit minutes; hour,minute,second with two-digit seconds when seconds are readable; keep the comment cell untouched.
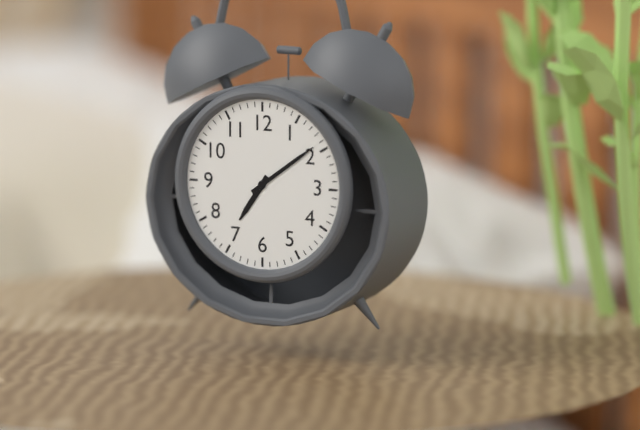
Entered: 7,09
